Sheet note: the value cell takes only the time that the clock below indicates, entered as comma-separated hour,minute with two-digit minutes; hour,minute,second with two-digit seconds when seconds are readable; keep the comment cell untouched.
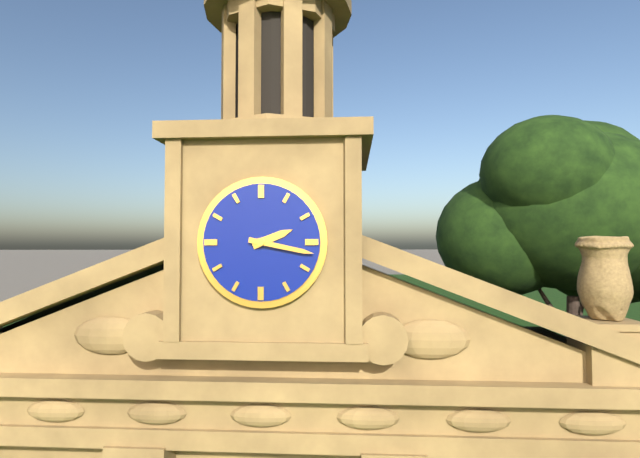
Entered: 2,17
